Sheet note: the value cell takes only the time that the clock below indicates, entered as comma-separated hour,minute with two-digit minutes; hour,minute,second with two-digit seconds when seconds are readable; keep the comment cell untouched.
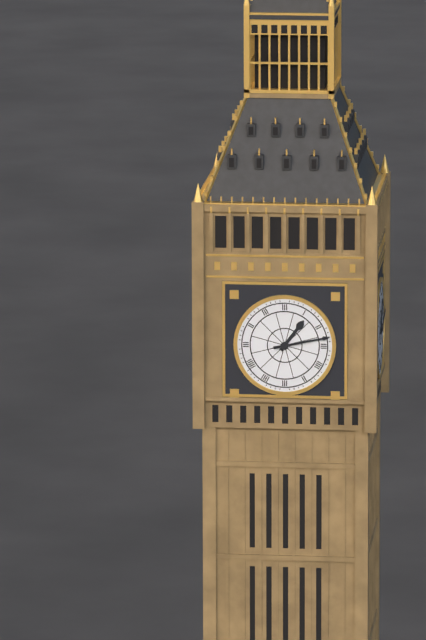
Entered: 1,13
